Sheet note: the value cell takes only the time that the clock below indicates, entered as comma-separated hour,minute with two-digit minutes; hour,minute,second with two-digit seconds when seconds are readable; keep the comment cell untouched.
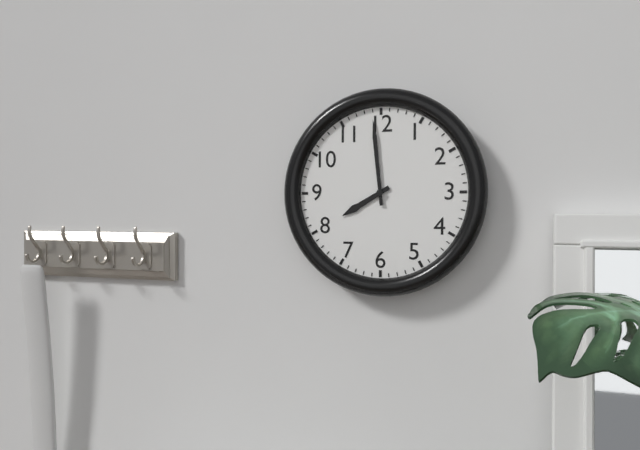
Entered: 7,59
